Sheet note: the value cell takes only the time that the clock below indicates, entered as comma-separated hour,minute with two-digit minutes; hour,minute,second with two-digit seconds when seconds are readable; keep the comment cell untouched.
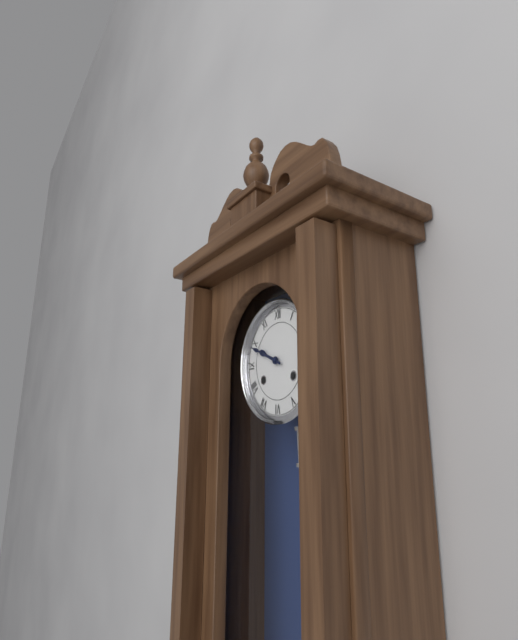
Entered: 9,49
